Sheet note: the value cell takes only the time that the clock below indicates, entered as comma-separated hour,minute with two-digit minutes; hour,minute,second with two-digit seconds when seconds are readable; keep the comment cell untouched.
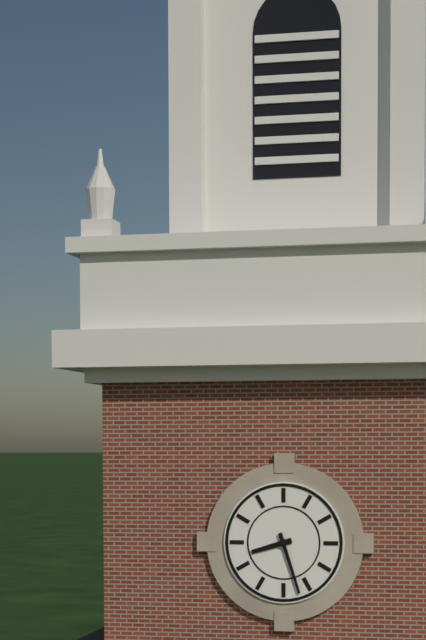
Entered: 8,27
